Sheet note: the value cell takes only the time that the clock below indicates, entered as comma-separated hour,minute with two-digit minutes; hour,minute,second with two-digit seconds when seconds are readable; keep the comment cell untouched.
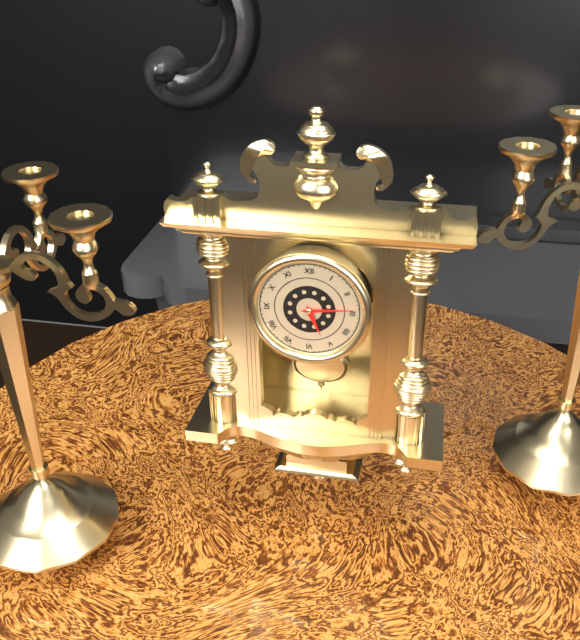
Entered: 5,14
